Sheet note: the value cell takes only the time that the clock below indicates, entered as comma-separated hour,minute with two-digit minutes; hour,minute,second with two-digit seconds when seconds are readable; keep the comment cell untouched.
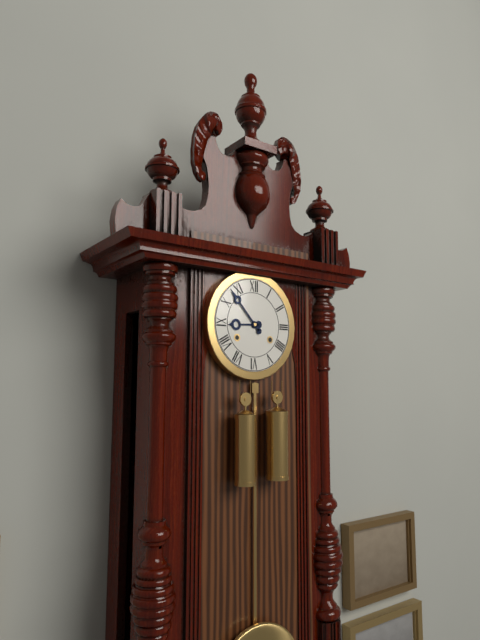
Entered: 8,53
